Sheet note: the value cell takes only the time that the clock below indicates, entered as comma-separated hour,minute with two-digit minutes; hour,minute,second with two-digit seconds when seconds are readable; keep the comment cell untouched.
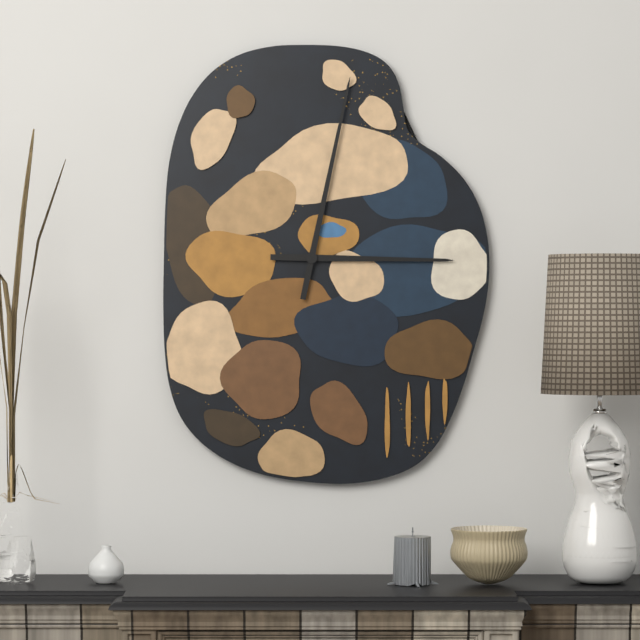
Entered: 3,02
